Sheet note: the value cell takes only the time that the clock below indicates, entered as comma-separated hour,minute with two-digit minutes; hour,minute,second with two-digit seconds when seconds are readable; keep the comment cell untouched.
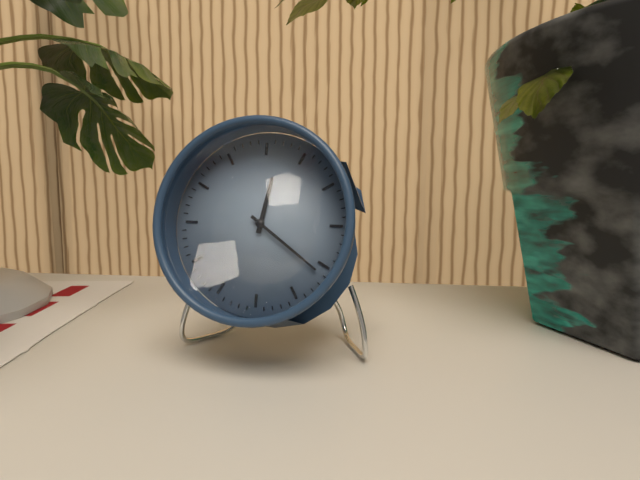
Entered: 12,21
